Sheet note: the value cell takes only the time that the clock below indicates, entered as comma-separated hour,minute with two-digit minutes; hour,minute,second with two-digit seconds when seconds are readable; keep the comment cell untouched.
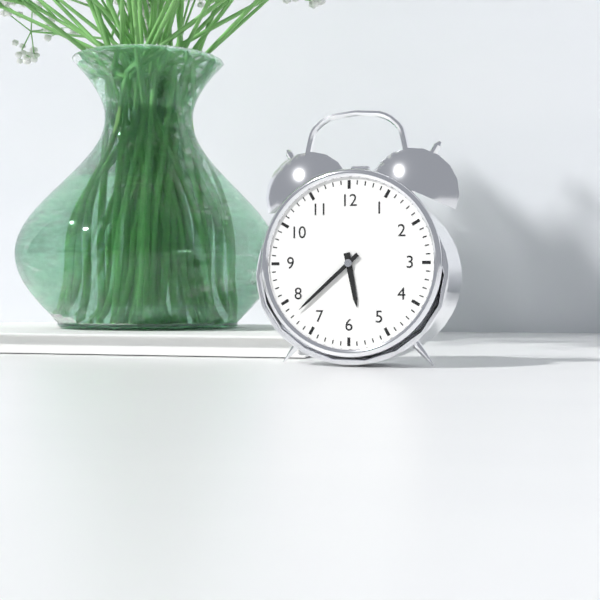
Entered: 5,38
